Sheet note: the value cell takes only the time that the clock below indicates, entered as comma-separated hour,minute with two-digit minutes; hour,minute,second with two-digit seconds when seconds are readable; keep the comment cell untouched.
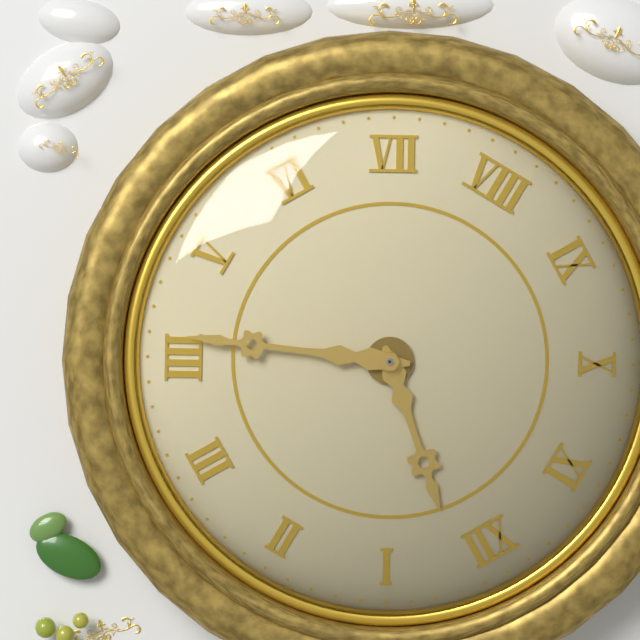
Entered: 12,21
